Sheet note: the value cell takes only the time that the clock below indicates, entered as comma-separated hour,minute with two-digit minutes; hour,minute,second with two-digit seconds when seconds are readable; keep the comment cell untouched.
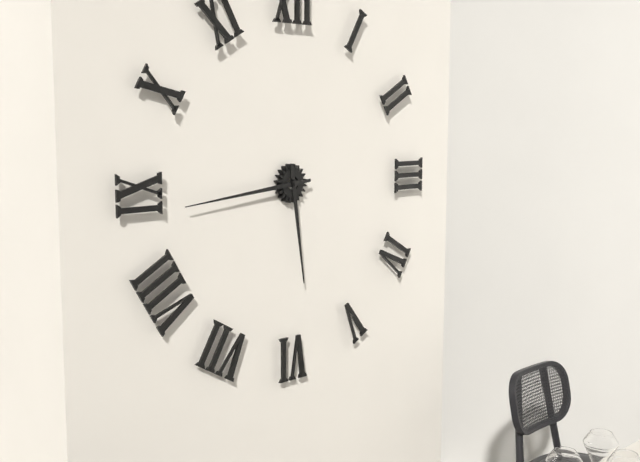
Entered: 5,44
